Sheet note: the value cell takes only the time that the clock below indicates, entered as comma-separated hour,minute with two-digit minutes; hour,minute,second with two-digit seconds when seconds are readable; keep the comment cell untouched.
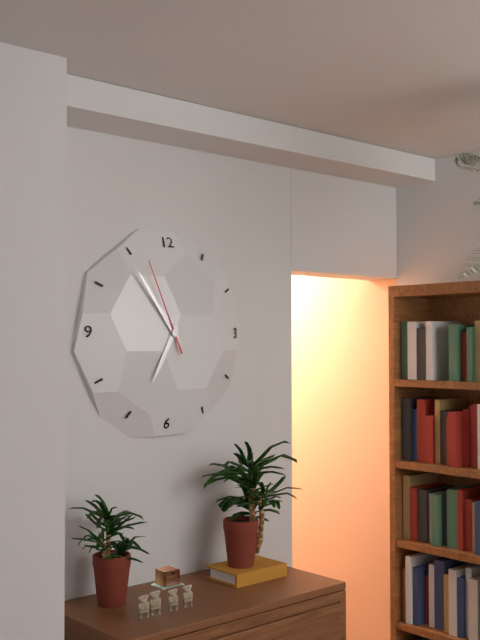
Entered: 6,54,56
